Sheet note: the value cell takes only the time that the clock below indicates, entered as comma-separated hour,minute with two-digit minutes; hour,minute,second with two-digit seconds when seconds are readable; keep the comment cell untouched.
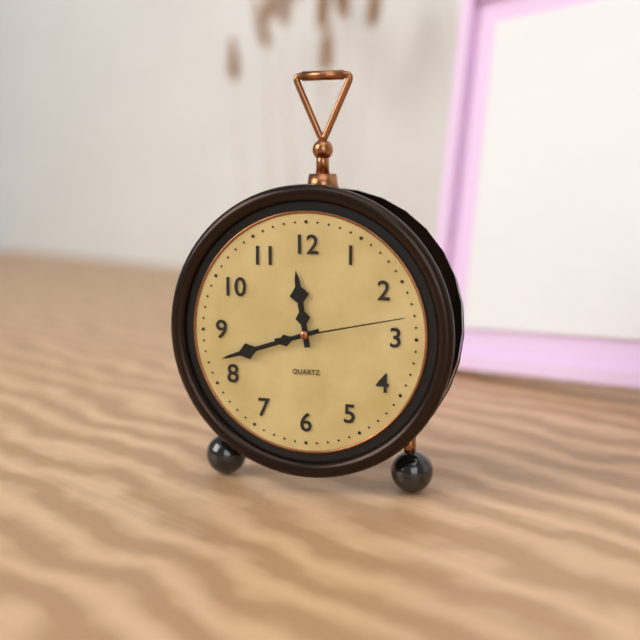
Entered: 11,42,13
